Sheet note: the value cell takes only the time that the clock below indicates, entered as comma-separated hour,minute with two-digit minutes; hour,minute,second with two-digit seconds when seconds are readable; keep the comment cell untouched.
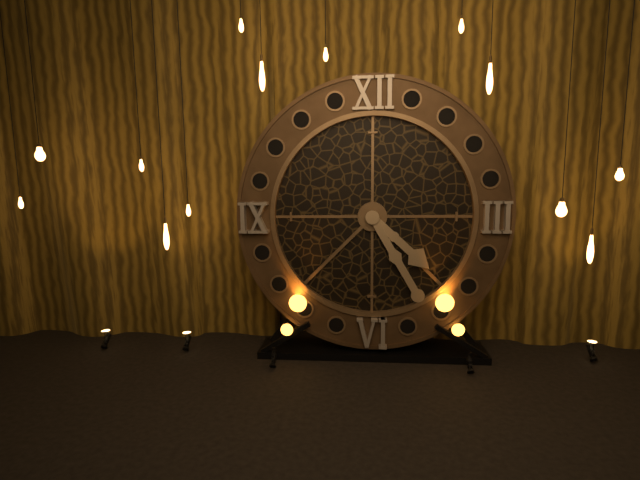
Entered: 4,25
